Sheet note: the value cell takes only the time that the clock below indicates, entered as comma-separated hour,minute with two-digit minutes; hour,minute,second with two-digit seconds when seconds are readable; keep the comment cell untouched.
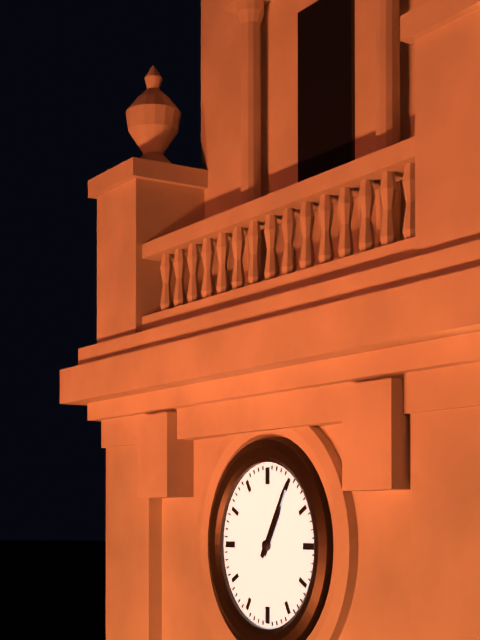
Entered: 1,05
